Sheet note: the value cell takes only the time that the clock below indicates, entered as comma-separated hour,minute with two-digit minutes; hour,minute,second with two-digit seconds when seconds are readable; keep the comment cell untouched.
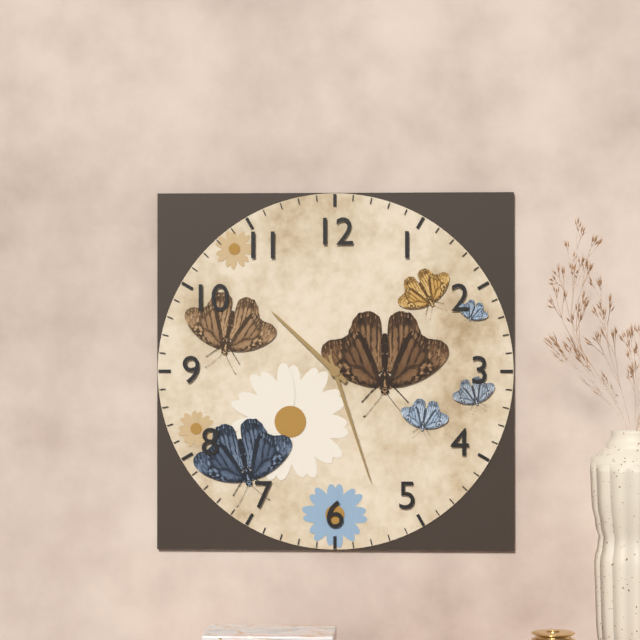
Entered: 10,27
